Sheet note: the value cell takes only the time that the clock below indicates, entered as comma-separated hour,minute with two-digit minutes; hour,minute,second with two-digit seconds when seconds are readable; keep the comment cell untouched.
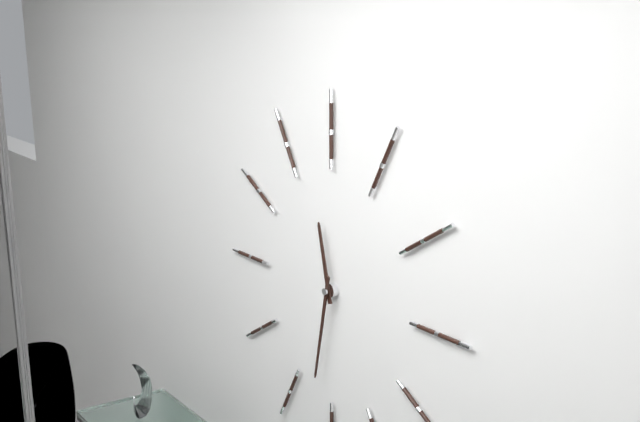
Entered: 11,32
